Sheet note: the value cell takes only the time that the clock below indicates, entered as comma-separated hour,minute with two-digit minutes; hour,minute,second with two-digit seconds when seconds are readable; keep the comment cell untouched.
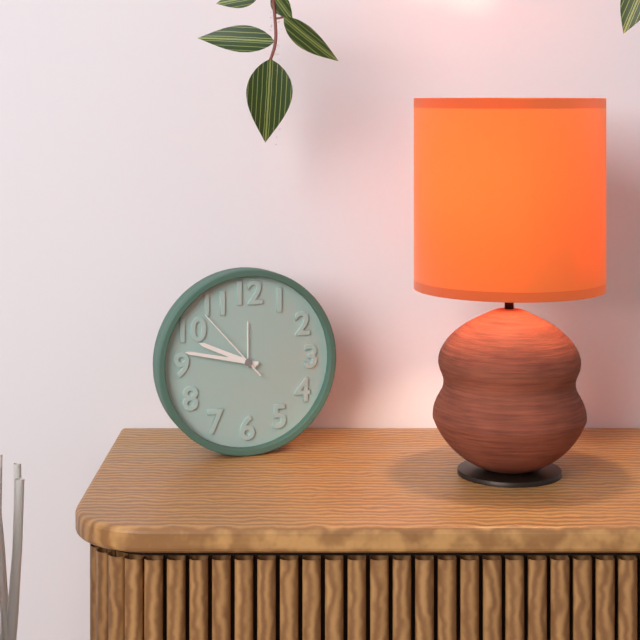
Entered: 9,47,53
